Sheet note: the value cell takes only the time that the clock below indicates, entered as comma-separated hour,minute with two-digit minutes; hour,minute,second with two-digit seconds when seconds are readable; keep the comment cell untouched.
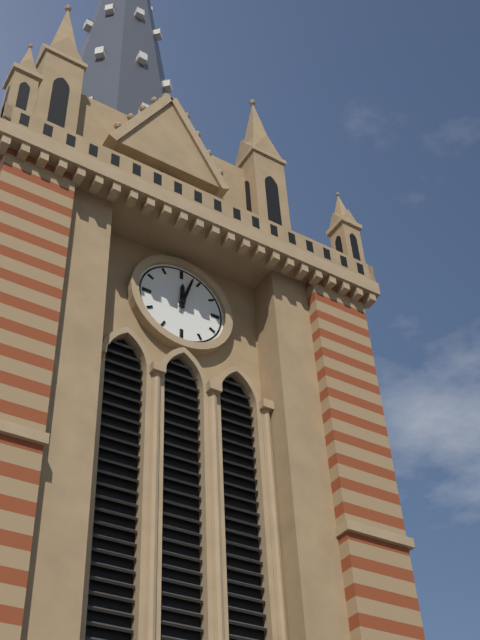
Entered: 12,03
